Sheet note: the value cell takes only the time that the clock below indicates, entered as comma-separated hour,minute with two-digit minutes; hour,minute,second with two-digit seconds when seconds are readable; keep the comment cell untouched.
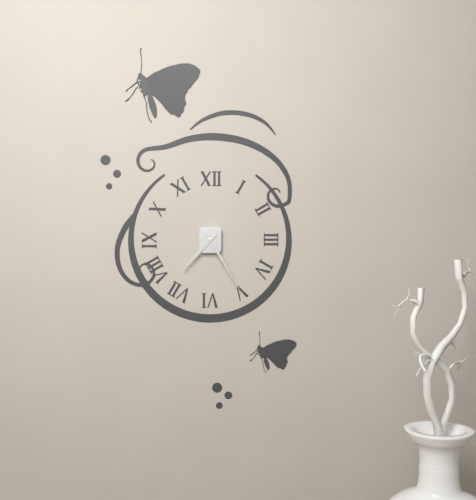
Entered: 7,25
